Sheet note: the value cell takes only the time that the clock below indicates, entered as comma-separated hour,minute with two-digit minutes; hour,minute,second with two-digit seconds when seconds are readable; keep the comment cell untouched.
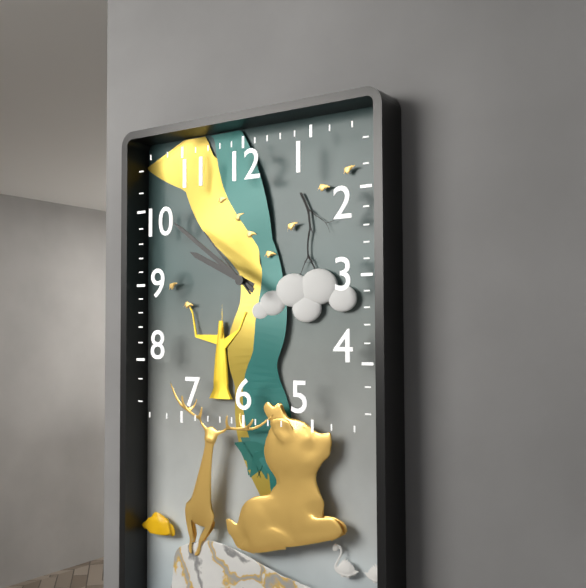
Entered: 9,51,53
